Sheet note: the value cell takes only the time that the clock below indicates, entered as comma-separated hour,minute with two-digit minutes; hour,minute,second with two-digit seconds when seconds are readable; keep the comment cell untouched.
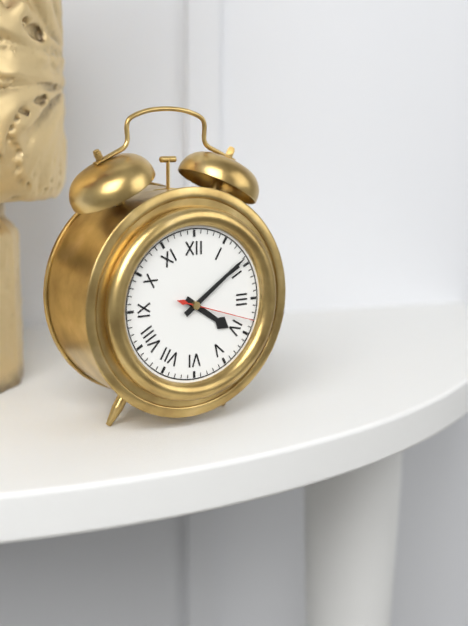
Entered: 4,09,18
